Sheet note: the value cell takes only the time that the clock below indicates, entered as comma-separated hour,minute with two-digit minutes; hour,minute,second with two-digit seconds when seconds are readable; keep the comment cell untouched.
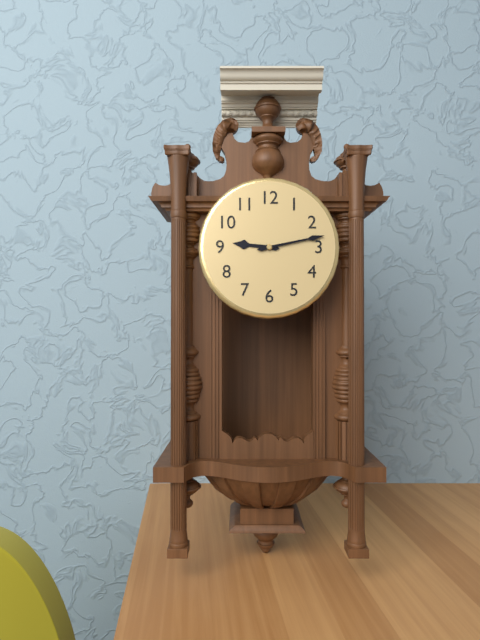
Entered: 9,13
